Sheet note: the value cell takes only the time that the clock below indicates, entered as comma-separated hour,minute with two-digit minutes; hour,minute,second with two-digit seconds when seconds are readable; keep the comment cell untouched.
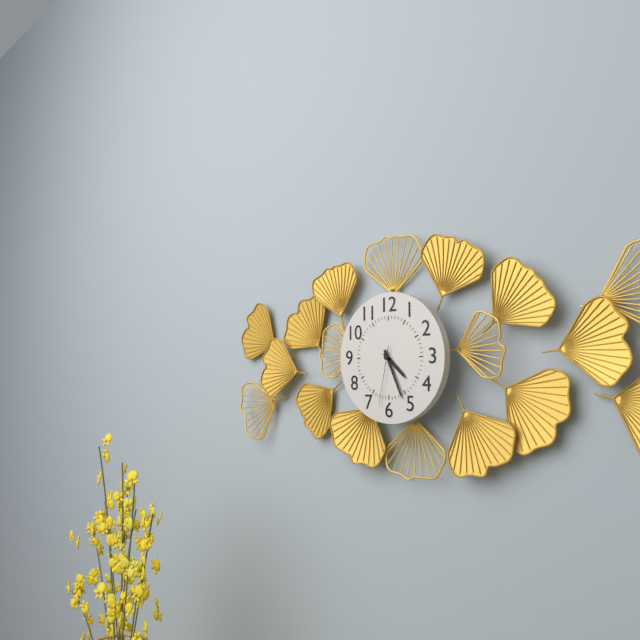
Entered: 4,26,32
